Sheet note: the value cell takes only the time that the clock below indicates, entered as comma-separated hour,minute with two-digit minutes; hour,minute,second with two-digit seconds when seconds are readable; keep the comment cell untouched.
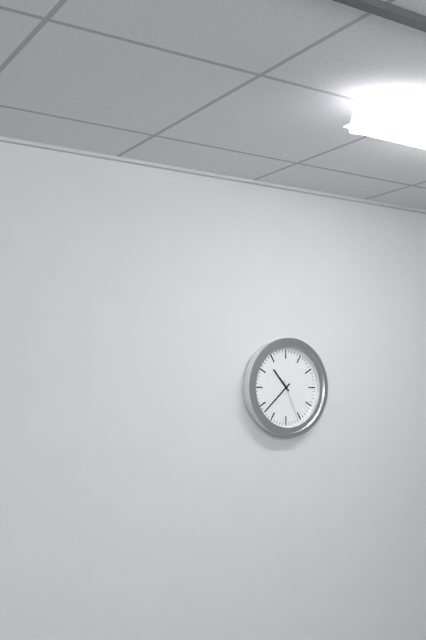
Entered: 10,38
